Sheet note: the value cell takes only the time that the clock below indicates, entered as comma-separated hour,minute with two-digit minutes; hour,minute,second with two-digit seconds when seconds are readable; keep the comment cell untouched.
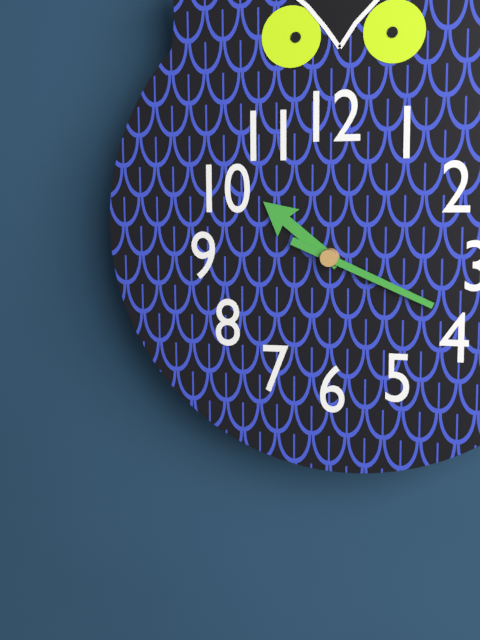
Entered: 10,19
